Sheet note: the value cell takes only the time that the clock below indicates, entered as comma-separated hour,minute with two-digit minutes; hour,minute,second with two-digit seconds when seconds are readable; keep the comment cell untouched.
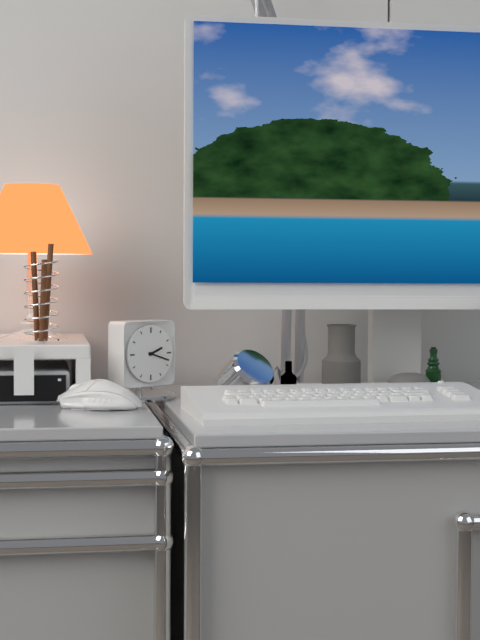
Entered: 2,18
